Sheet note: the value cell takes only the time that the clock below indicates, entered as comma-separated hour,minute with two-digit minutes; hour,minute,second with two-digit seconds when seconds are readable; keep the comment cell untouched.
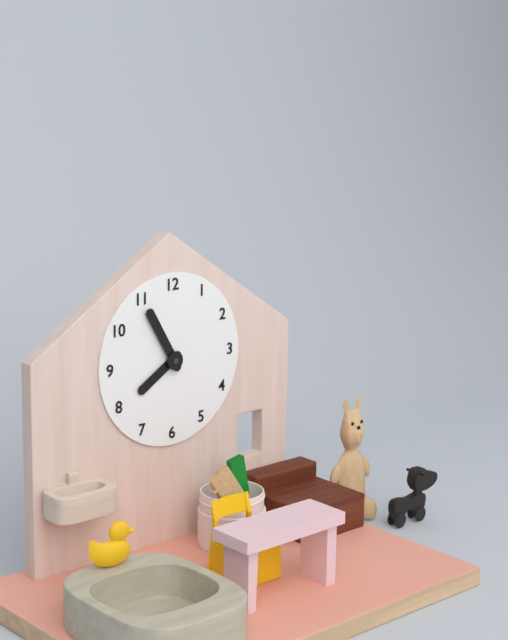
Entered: 7,55
